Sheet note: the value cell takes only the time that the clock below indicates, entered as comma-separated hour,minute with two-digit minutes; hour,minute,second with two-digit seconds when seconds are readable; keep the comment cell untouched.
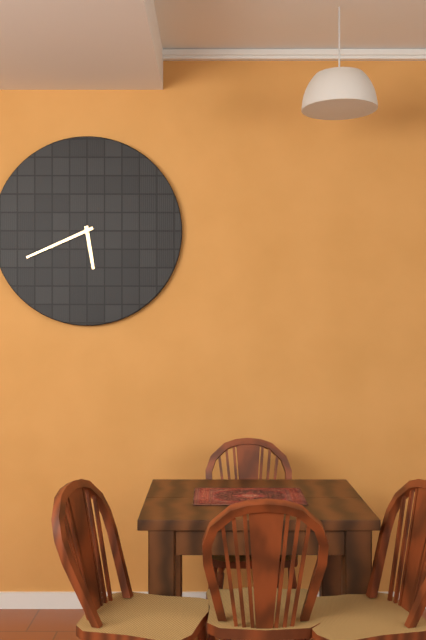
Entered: 5,41
